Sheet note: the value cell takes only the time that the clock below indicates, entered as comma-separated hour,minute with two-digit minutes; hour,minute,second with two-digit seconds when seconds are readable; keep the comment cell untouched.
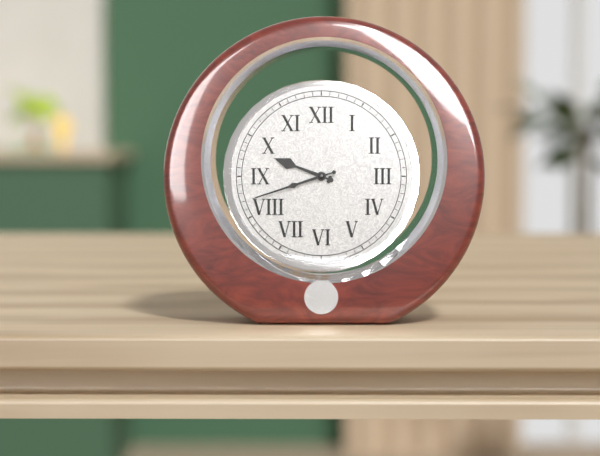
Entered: 9,42
